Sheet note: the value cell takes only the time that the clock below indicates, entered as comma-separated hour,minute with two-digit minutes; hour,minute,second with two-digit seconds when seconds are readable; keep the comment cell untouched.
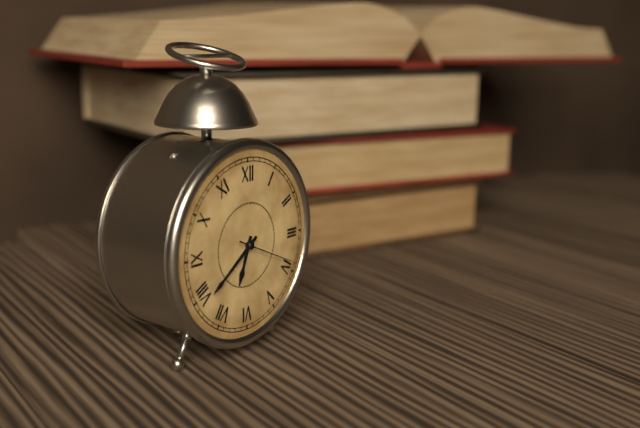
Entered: 6,39,19
